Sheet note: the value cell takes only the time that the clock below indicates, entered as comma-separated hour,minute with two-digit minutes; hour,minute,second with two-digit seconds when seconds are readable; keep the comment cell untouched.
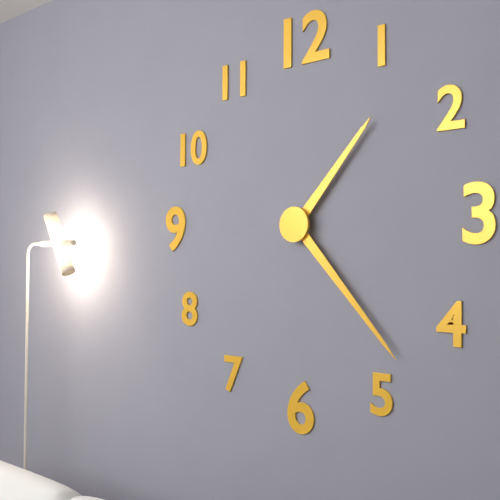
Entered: 1,23
